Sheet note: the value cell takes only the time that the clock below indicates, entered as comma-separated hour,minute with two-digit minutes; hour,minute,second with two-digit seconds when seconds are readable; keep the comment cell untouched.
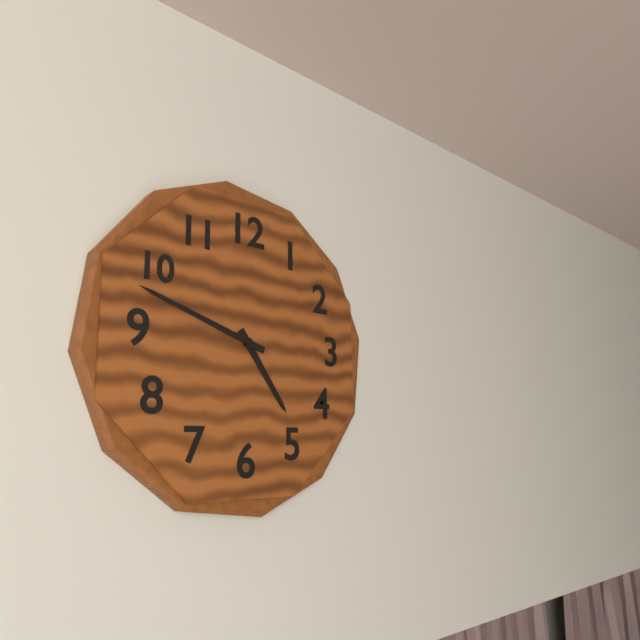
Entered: 4,48
